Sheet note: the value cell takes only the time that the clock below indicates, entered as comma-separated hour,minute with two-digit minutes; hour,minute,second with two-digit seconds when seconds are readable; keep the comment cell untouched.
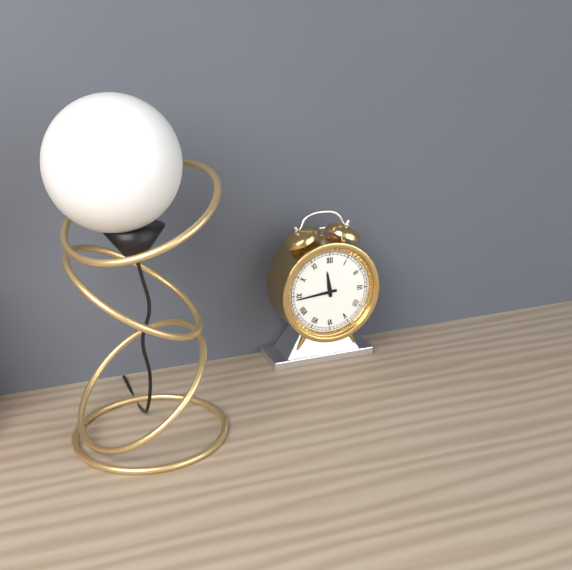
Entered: 11,44
